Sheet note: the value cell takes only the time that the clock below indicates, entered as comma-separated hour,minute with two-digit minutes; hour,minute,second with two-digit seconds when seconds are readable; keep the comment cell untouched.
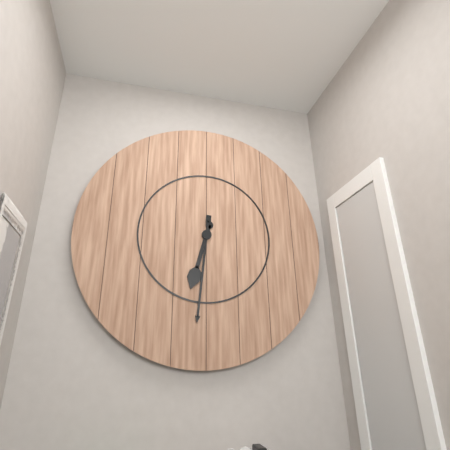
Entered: 6,31
